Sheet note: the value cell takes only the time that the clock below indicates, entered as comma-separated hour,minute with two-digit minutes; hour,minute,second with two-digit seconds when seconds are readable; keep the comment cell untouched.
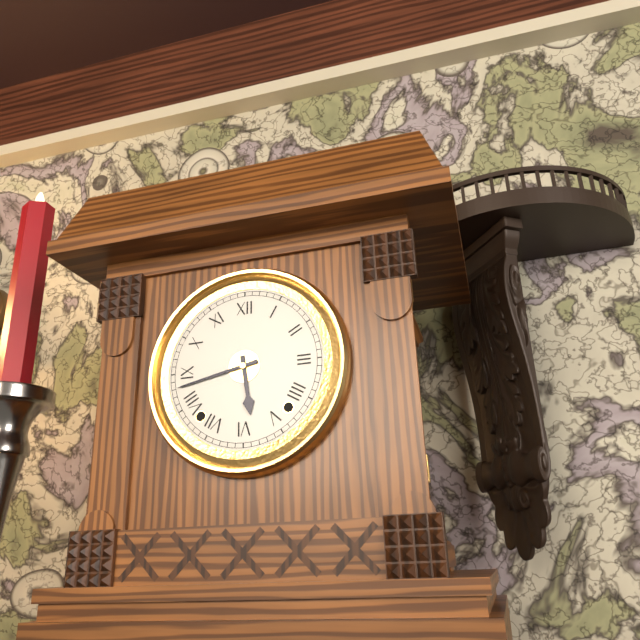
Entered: 5,43
